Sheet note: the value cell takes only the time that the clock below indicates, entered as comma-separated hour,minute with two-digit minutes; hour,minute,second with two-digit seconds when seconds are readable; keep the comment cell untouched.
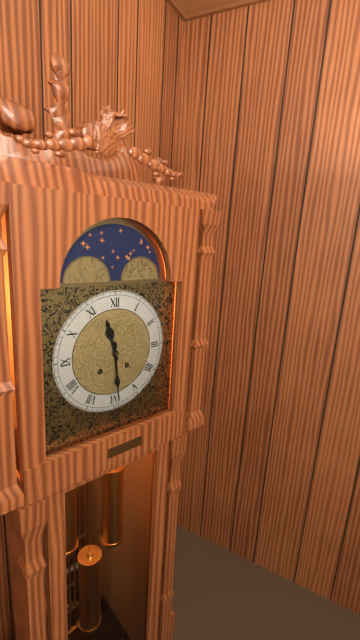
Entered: 11,29
